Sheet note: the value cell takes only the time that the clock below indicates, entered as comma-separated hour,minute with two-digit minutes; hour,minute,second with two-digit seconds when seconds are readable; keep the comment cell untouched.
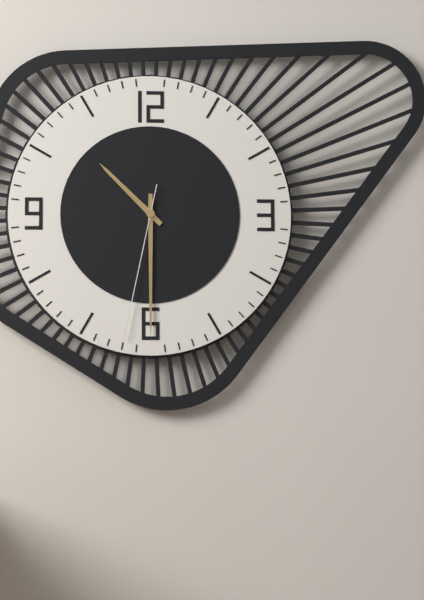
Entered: 10,30,32
